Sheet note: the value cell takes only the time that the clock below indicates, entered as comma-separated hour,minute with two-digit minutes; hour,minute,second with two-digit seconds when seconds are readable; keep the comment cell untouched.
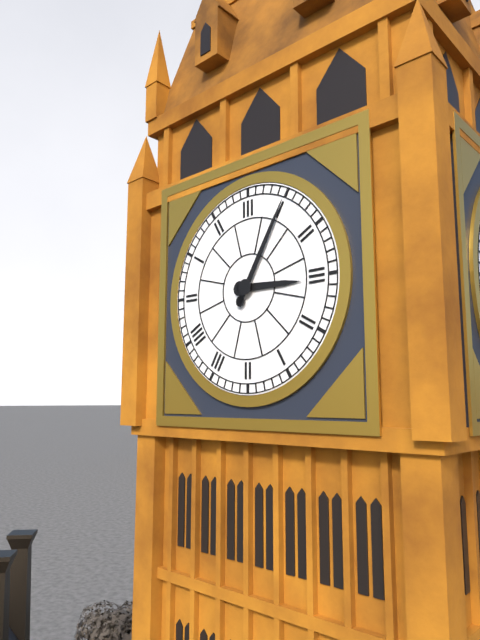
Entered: 3,05
